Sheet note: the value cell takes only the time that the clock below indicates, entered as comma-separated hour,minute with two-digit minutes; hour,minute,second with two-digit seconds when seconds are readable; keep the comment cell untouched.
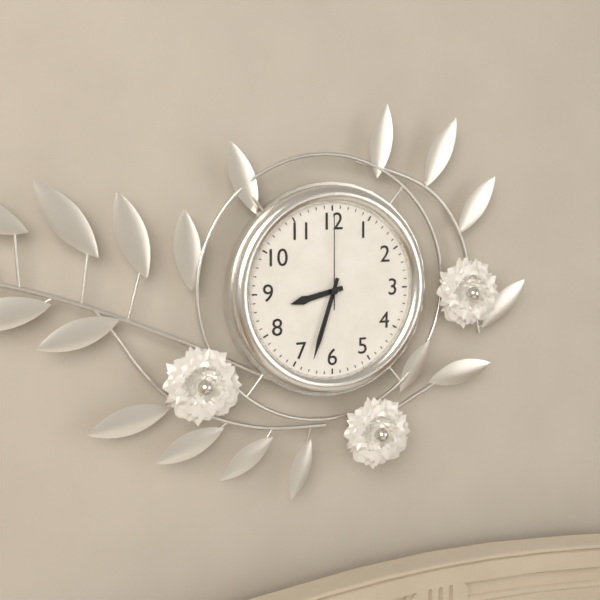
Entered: 8,33,00
